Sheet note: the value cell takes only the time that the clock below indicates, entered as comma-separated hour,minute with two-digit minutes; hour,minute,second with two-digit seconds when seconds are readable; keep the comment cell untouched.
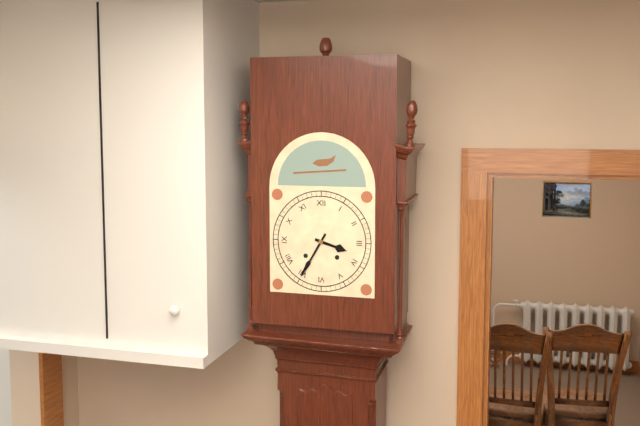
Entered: 3,35
